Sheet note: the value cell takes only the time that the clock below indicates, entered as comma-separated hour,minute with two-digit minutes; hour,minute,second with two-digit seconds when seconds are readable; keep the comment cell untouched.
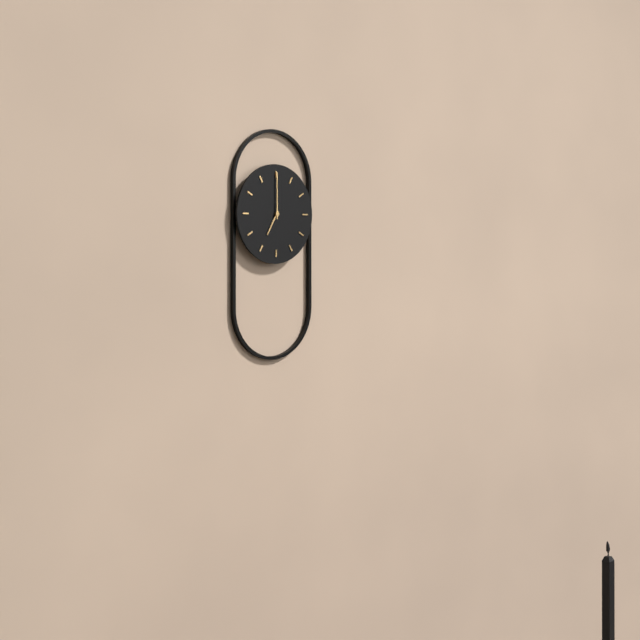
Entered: 7,00
